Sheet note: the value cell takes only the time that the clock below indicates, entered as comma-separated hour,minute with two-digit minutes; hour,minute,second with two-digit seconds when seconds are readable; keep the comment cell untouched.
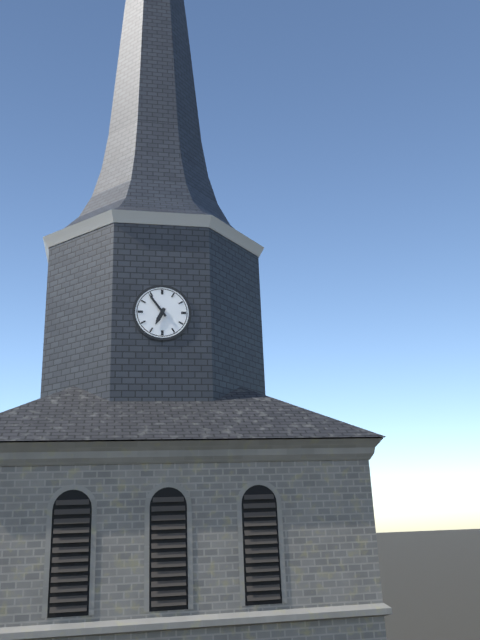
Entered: 6,54
